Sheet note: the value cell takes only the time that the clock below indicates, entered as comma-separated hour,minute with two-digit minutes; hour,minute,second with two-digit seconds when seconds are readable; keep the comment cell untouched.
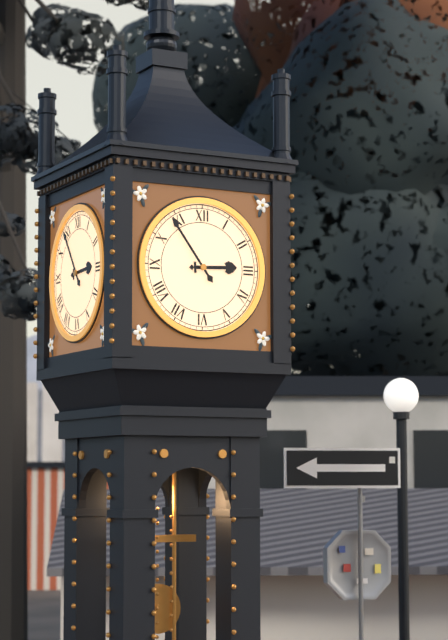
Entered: 2,54
